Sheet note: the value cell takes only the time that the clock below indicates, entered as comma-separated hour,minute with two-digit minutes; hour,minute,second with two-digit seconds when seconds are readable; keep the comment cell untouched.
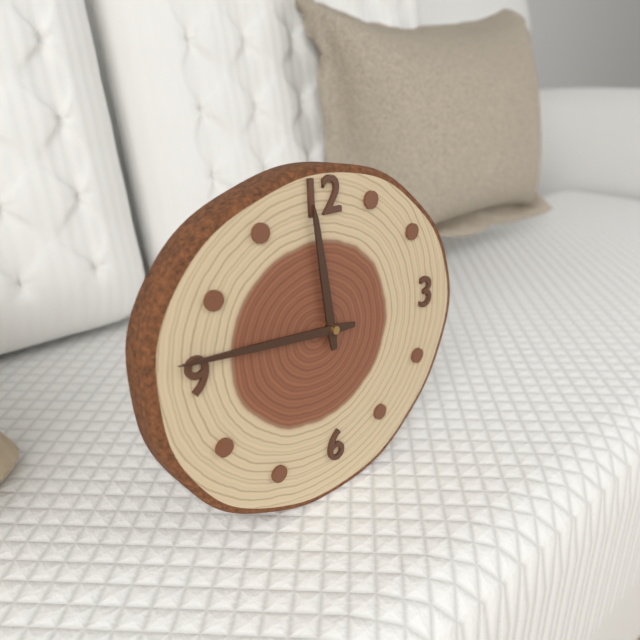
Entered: 11,46
